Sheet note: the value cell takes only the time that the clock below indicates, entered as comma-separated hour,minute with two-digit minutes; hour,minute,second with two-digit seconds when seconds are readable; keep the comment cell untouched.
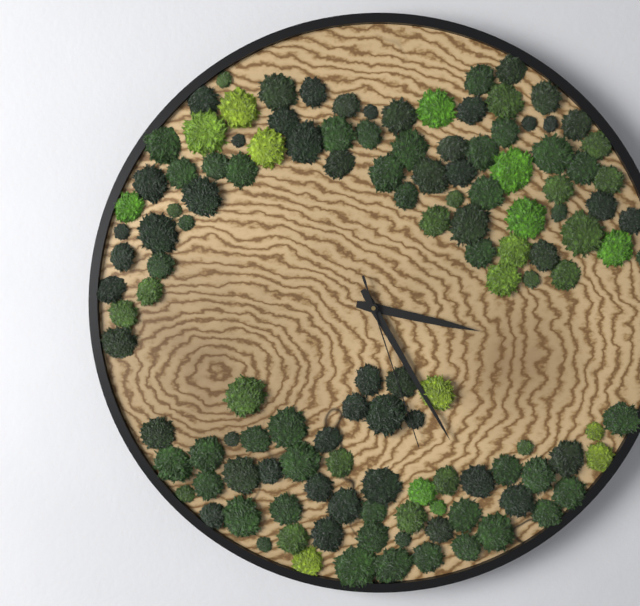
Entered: 3,25,27
